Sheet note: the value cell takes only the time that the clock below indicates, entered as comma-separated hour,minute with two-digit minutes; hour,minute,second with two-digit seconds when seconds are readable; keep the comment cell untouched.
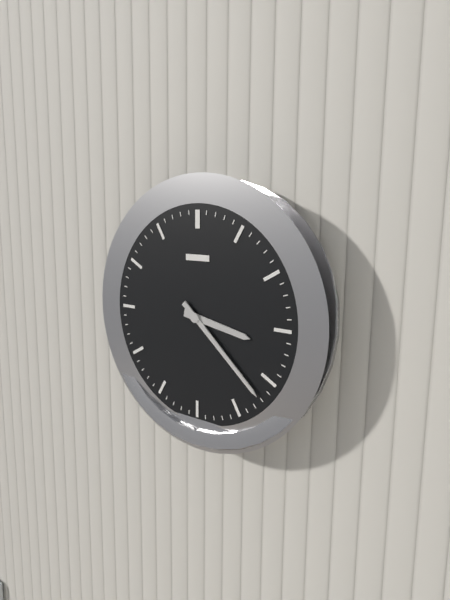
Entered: 3,22
